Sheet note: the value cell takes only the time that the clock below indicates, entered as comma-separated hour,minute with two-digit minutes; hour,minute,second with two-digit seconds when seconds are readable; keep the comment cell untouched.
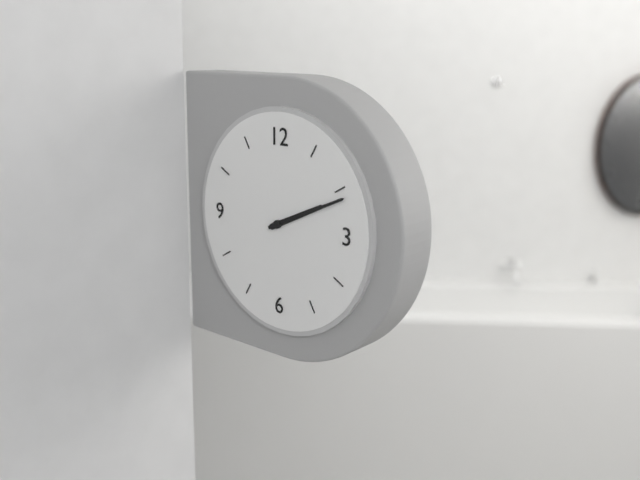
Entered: 2,11
